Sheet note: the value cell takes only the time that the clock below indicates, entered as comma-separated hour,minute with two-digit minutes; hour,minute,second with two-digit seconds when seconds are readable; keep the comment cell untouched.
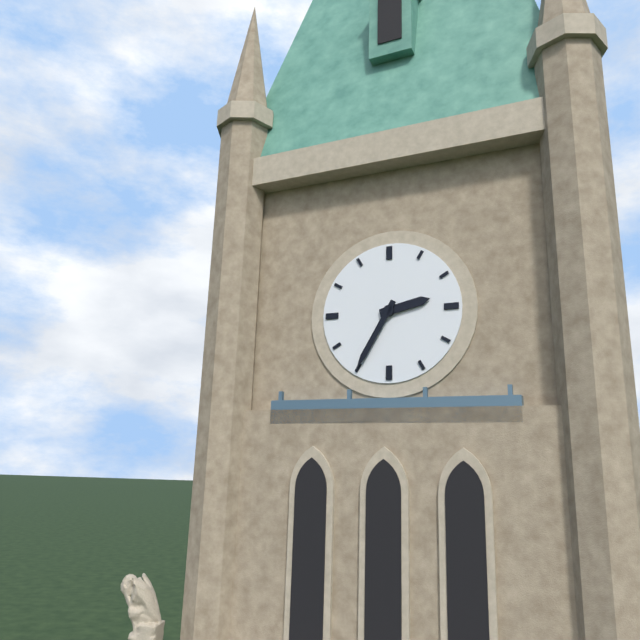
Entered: 2,35
